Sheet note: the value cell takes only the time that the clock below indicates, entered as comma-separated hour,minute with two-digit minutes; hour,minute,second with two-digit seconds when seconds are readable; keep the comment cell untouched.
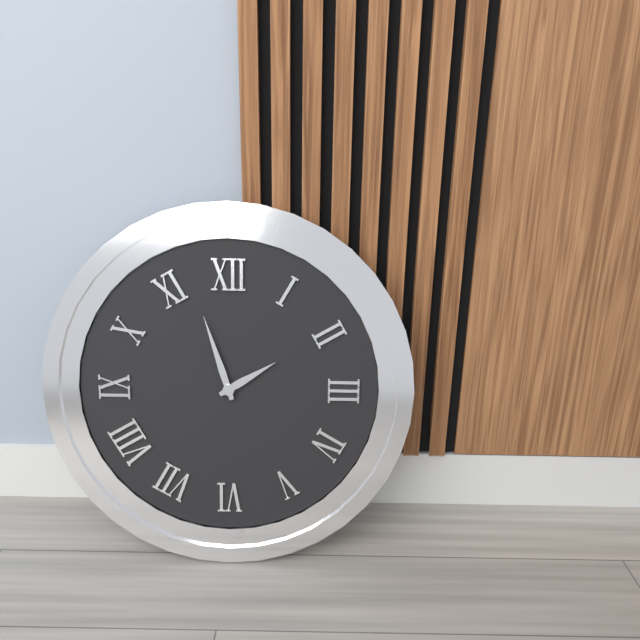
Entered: 1,57
